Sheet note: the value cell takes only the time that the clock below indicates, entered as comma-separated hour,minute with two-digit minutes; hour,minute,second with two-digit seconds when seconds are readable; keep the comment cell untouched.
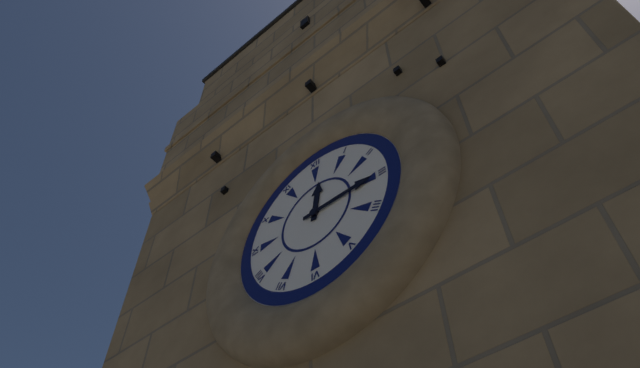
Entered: 12,15
